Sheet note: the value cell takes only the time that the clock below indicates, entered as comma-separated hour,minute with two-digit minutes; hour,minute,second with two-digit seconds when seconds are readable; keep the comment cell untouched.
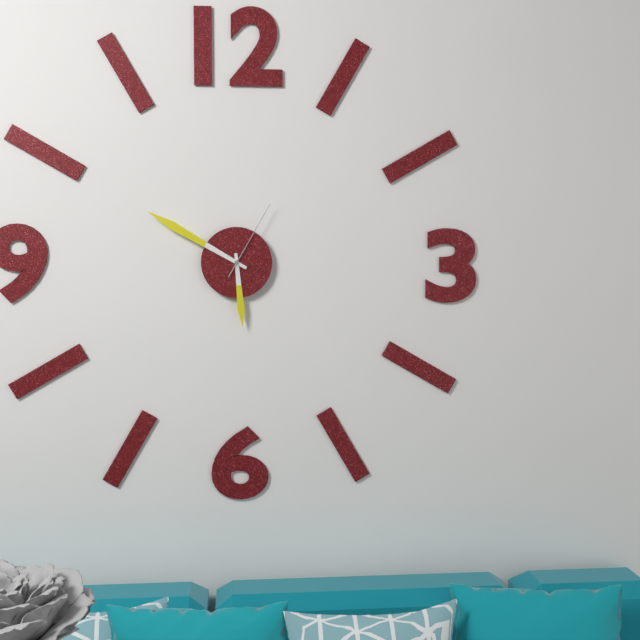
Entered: 5,50,05
